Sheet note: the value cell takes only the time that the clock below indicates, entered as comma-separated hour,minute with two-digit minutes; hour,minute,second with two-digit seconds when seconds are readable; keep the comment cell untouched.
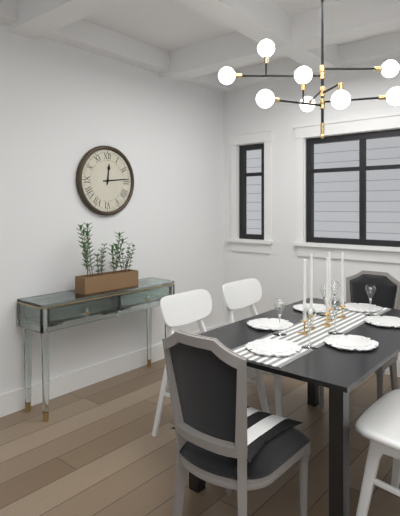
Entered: 12,14
